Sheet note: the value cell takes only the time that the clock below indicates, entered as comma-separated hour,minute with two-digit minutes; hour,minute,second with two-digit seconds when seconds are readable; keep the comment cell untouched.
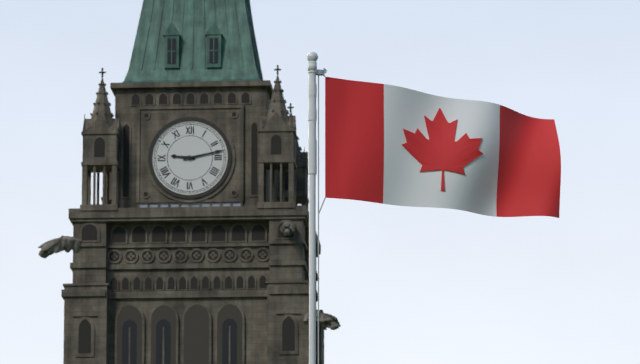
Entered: 9,13
